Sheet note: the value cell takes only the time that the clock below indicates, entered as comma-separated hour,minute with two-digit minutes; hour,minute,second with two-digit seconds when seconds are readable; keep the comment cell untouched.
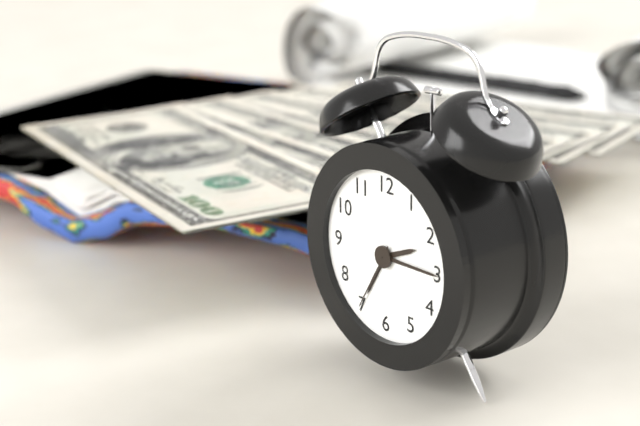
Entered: 2,15,35
